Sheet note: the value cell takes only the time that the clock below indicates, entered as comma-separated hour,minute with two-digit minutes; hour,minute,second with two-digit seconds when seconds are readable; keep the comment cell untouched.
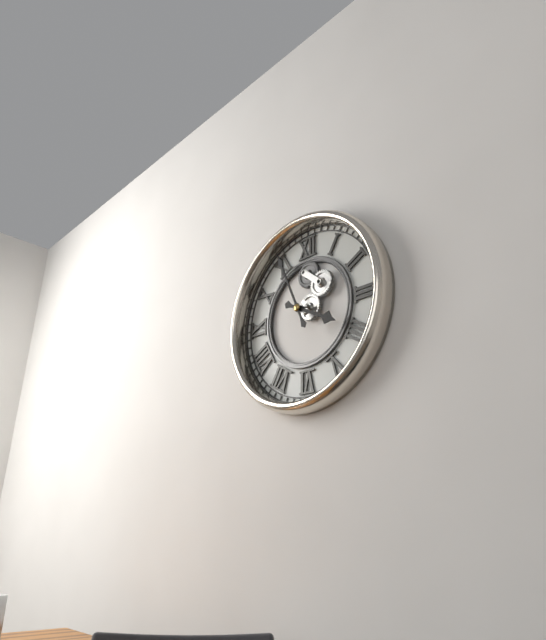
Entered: 3,56
